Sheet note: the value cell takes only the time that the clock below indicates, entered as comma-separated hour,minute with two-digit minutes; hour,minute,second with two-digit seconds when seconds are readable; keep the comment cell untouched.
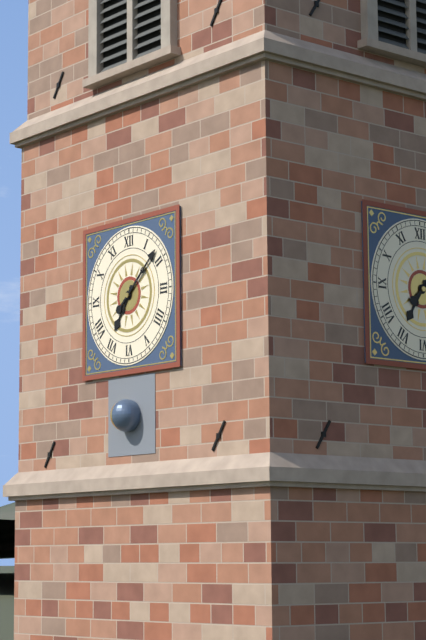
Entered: 7,08
